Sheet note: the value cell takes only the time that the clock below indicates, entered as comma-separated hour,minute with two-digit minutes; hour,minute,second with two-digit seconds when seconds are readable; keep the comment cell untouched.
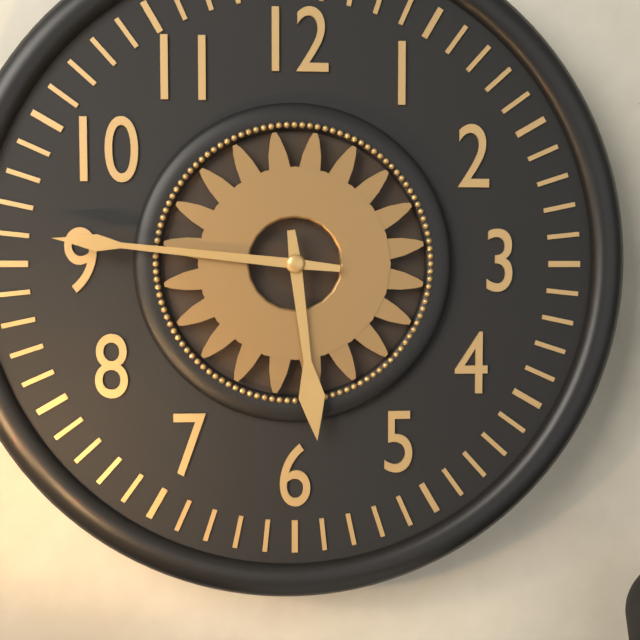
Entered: 5,46
